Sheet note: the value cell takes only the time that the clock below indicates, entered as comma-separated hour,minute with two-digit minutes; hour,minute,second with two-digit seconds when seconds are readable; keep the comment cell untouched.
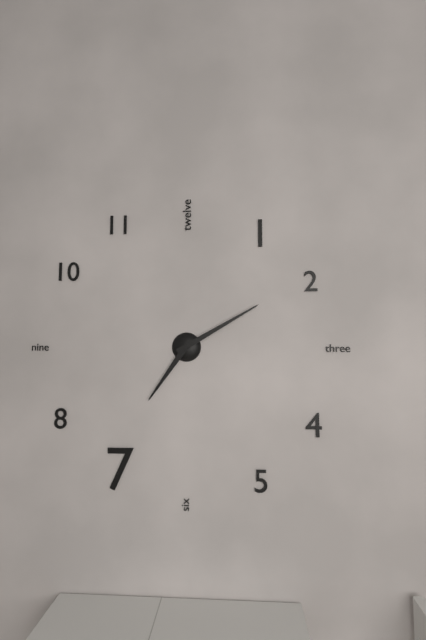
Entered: 7,10
